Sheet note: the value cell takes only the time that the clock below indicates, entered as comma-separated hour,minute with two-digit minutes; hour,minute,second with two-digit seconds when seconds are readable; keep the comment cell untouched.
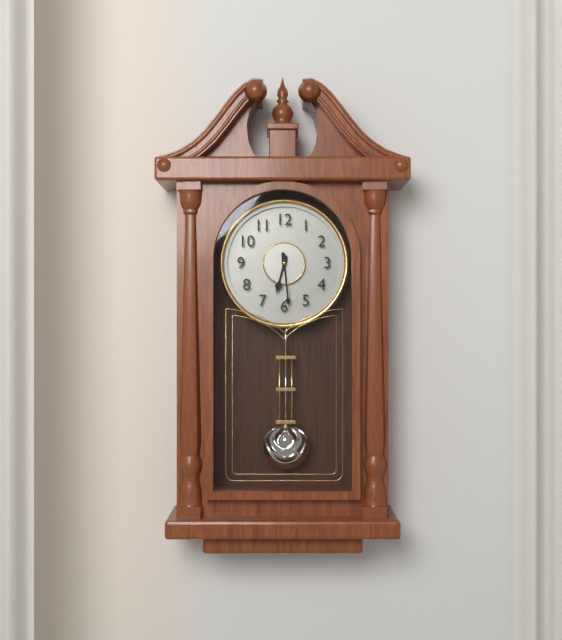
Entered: 6,29
